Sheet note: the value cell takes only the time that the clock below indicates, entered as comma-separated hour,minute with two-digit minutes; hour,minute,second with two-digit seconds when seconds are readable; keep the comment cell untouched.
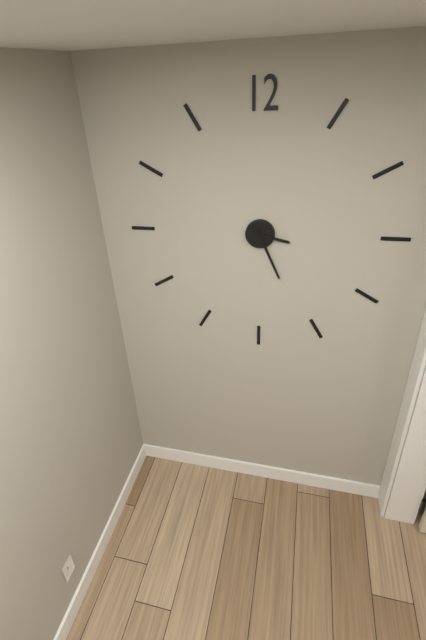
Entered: 3,26
